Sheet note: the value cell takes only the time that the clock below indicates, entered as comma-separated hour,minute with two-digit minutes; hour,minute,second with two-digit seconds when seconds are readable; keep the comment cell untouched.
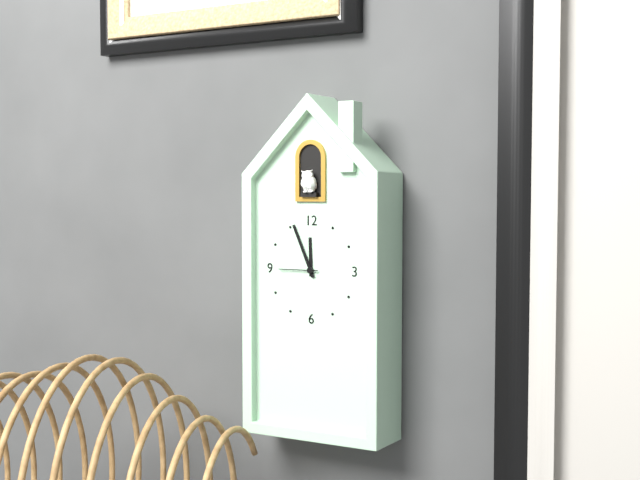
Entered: 11,56
